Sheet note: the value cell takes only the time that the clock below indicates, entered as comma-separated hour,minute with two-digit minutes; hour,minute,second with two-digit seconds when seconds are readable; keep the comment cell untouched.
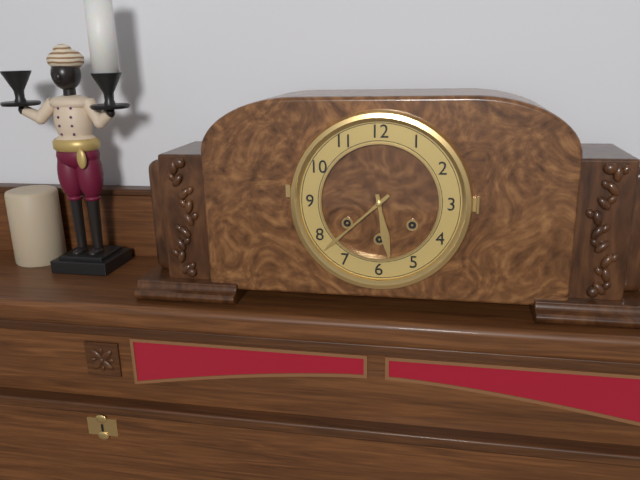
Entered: 5,38
